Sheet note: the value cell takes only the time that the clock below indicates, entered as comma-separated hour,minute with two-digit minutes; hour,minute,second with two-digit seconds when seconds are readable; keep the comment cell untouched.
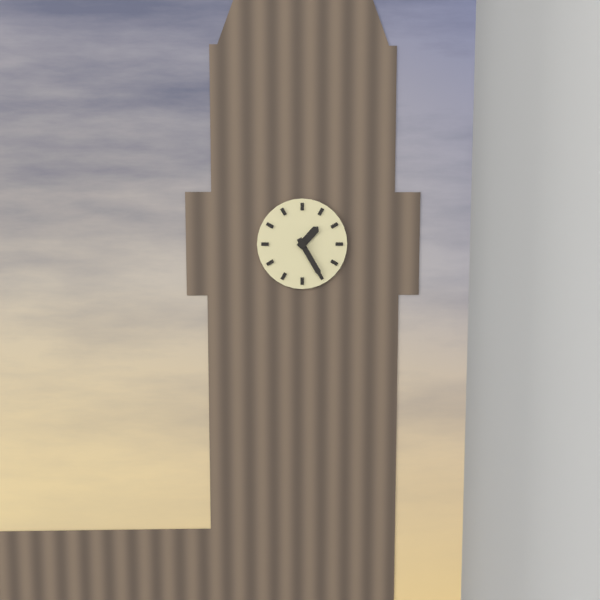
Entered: 1,25
